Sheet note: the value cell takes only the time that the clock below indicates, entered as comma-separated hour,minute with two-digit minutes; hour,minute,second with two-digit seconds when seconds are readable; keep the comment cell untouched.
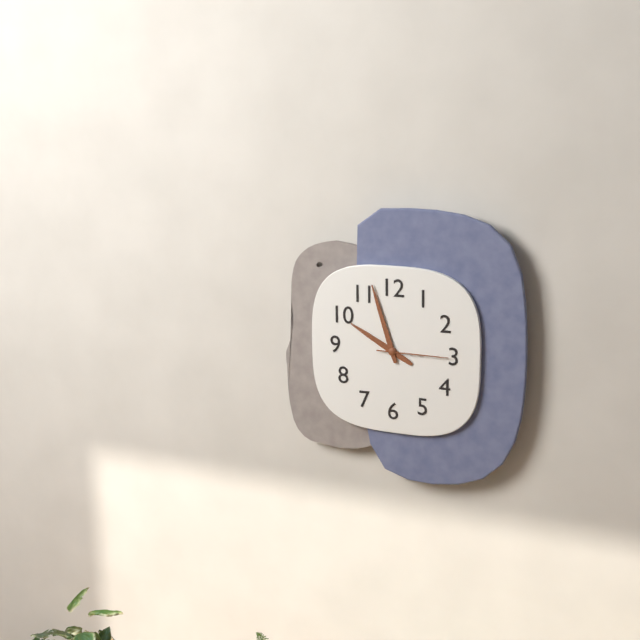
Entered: 9,57,15
